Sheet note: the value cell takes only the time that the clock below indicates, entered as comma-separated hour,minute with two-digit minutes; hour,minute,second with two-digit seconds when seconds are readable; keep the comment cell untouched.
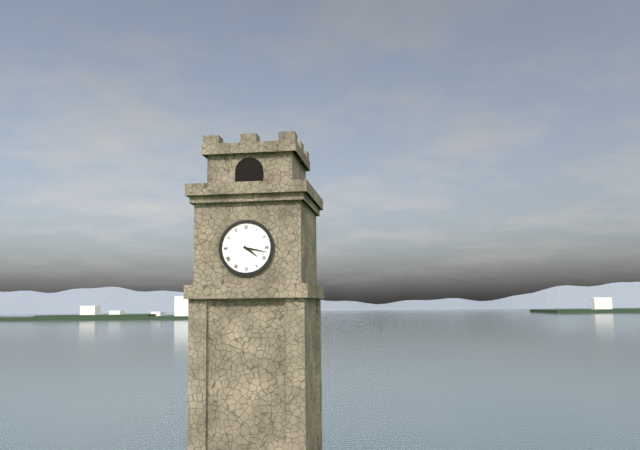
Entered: 4,17
